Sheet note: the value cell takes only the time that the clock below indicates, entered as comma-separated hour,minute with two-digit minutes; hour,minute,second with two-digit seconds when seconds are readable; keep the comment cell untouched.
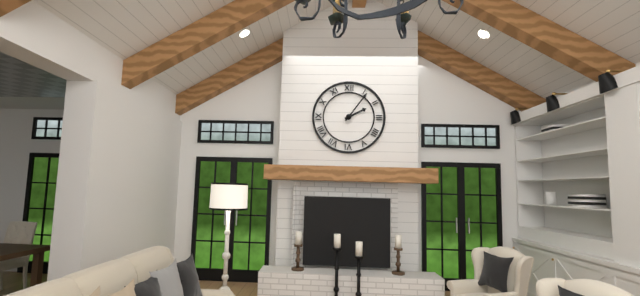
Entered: 2,06
